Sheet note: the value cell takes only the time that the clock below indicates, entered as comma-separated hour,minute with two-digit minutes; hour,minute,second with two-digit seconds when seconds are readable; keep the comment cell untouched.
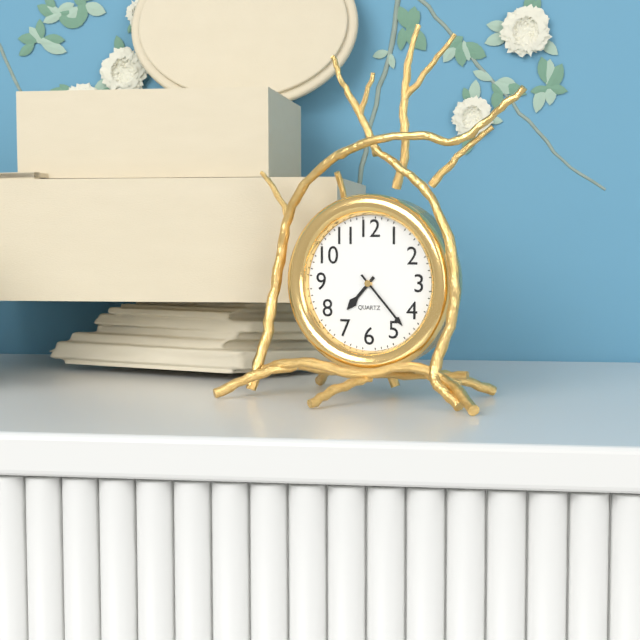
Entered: 7,23
